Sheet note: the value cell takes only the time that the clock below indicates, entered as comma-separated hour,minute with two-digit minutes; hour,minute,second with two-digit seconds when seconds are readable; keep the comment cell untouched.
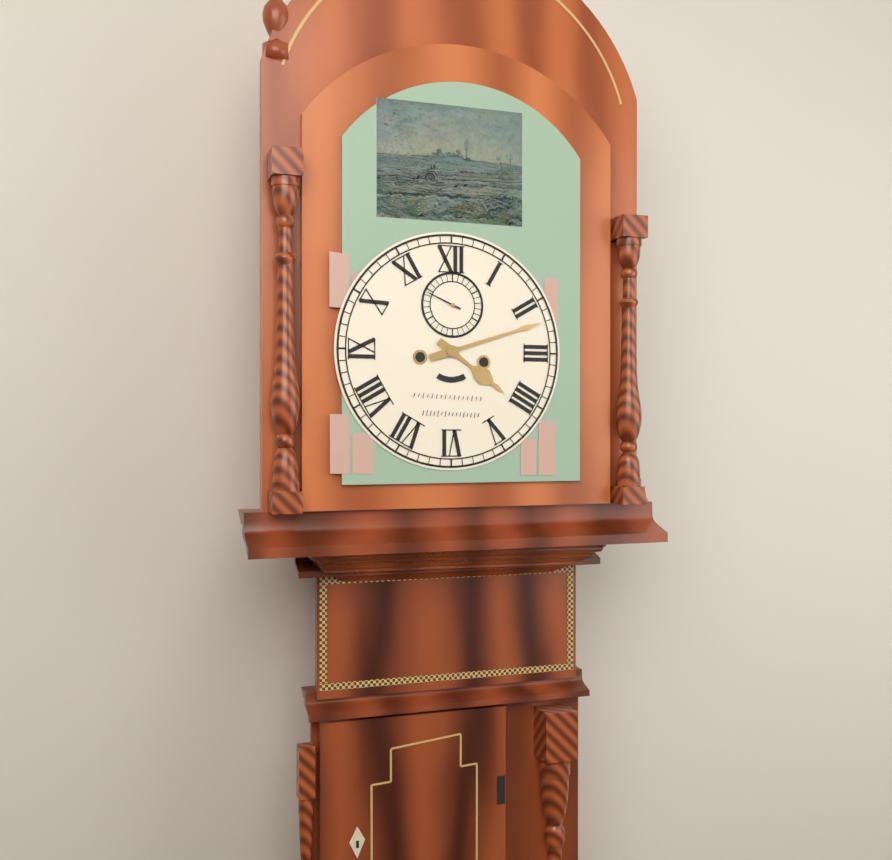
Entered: 4,12
